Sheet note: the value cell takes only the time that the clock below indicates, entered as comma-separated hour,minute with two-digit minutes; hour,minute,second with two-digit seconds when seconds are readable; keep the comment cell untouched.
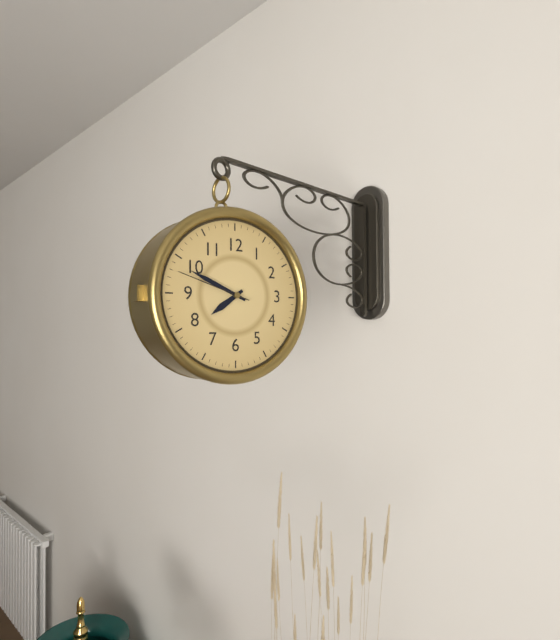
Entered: 7,49,48
